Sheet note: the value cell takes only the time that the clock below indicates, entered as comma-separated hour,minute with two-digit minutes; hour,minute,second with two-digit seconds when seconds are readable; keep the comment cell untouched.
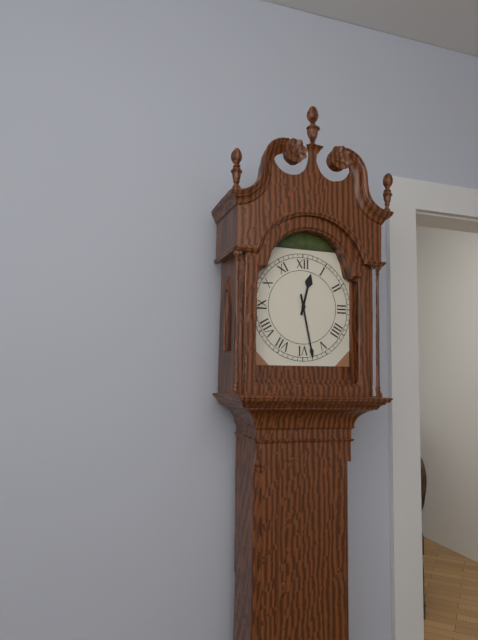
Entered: 12,28
